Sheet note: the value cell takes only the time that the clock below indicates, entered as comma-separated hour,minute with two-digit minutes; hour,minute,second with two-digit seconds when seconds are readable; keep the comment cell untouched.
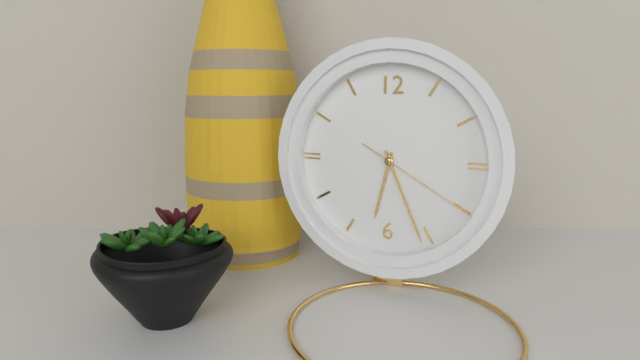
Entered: 6,26,20
